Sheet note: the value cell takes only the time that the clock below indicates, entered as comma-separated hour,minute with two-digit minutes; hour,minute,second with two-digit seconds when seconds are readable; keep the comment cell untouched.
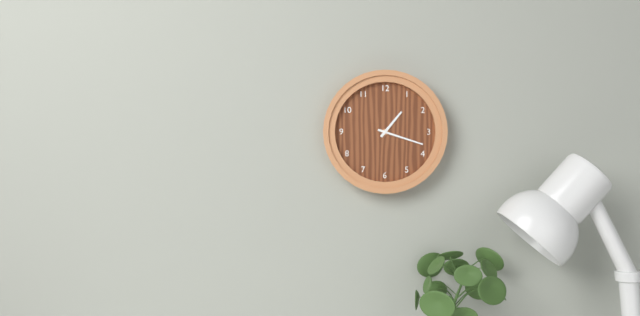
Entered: 1,18
